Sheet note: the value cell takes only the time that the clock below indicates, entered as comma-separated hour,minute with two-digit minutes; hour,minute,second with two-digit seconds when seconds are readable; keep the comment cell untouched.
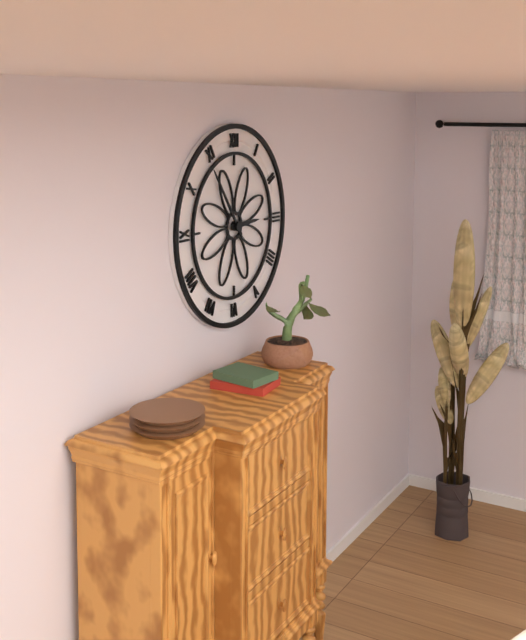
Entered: 2,54
